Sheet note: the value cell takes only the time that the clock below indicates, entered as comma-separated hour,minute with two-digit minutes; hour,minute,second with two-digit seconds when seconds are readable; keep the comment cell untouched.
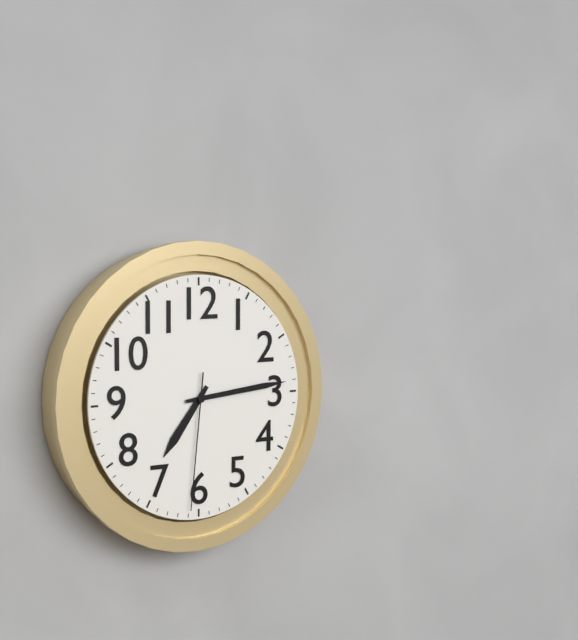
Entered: 7,14,31
